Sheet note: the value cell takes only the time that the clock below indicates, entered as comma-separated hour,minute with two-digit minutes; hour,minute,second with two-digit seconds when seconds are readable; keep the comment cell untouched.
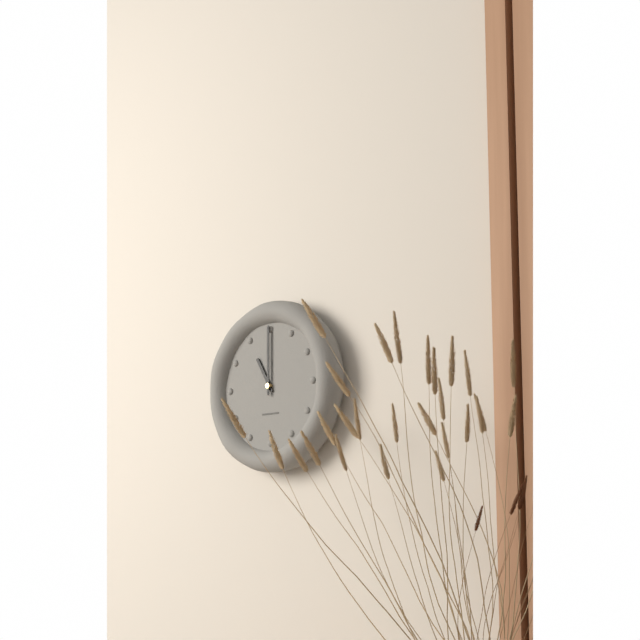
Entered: 11,00
